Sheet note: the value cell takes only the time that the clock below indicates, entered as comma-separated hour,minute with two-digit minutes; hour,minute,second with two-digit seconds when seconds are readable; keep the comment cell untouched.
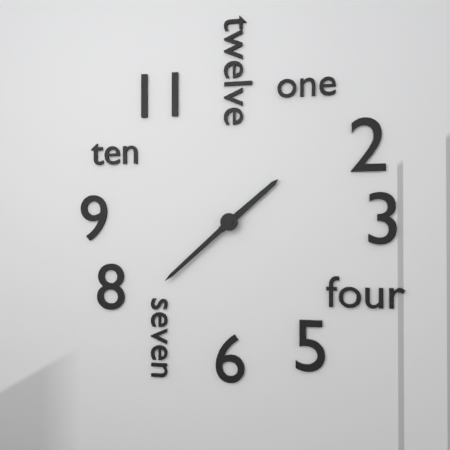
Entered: 1,38
